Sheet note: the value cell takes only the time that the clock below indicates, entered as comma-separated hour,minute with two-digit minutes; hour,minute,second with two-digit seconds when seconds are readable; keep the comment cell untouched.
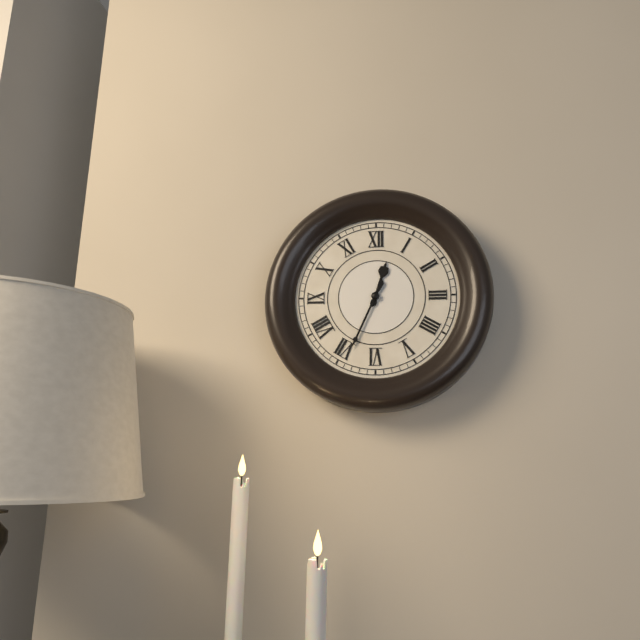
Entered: 12,34
